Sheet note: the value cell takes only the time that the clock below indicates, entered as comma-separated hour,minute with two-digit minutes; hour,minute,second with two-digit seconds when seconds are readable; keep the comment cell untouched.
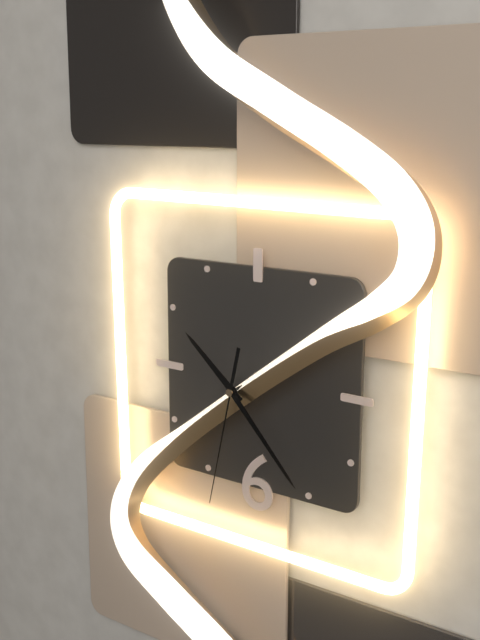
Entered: 10,23,32
